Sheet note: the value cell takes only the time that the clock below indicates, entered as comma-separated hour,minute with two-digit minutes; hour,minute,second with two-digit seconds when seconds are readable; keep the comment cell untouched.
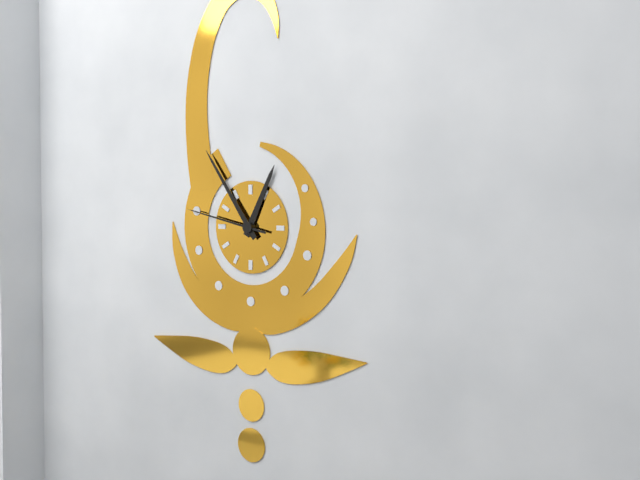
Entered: 12,54,47
